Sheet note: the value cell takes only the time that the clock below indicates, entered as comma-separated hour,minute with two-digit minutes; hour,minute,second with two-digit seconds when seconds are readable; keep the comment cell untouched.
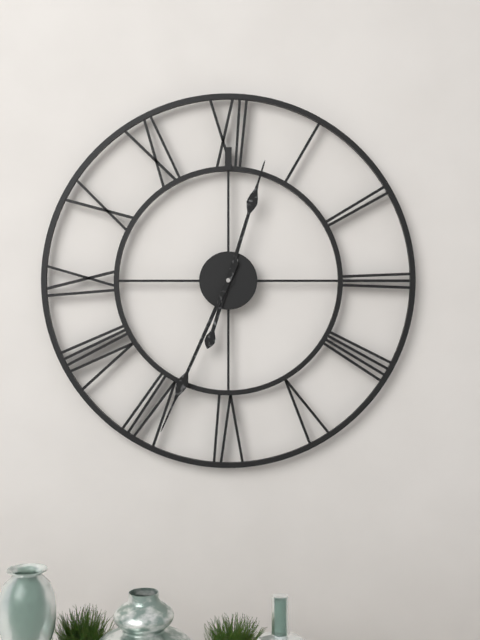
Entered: 12,34
